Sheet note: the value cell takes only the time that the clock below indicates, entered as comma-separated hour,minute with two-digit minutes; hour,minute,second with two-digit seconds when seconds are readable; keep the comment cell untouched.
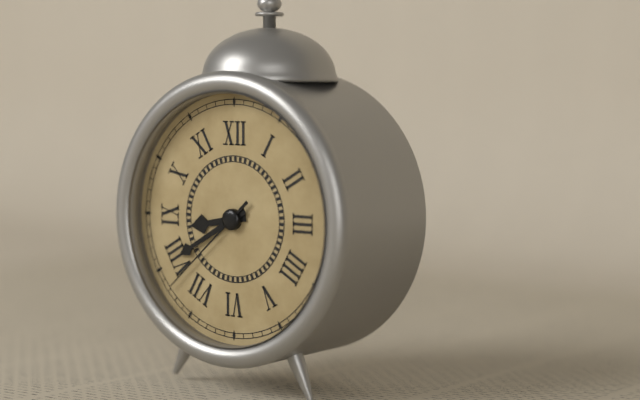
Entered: 8,40,38
